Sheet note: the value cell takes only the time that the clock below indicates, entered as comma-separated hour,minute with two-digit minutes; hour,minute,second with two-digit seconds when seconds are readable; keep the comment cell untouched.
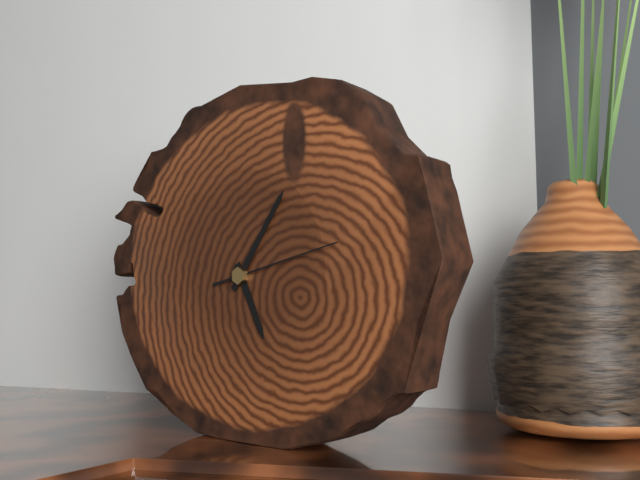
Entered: 5,06,13
